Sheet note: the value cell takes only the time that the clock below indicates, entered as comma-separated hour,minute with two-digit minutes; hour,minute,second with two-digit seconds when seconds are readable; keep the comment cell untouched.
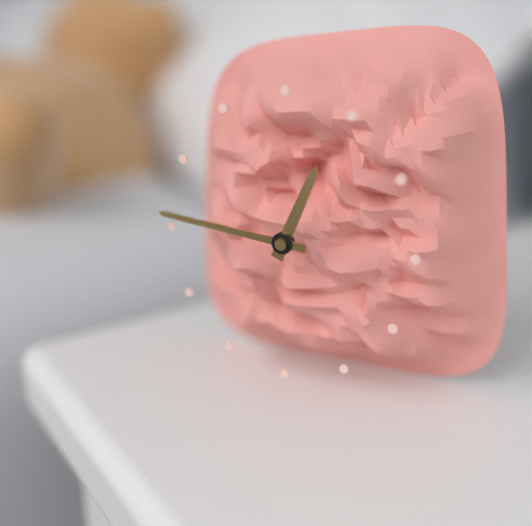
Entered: 12,46
